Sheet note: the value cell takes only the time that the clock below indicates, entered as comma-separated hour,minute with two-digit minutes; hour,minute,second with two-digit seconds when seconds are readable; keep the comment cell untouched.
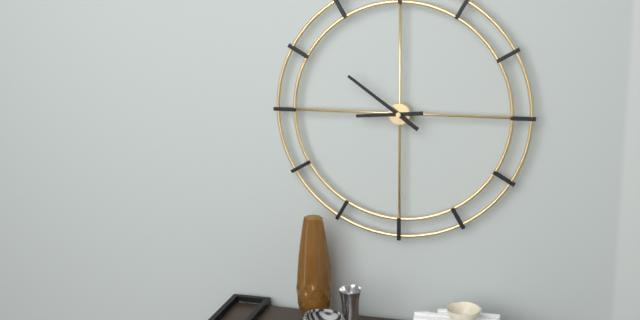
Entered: 8,51
